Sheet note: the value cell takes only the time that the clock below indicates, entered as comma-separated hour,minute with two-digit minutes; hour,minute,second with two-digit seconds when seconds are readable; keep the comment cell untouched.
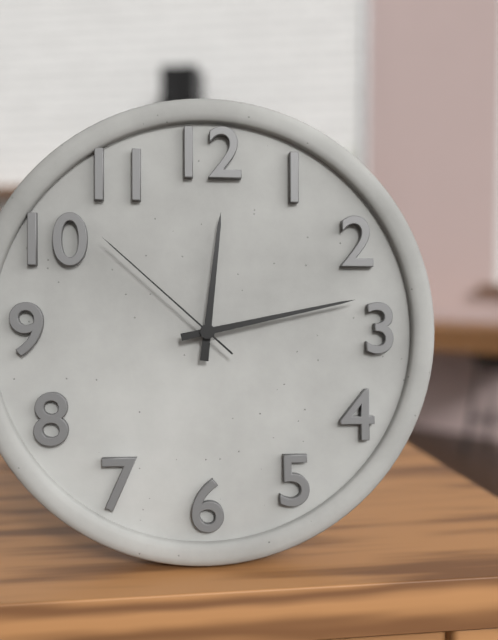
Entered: 12,13,52
